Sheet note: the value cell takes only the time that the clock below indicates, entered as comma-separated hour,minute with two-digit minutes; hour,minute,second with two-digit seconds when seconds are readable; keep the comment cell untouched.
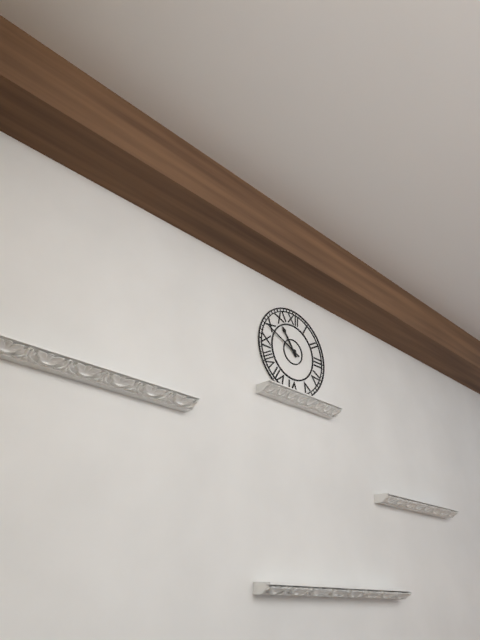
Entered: 10,49
